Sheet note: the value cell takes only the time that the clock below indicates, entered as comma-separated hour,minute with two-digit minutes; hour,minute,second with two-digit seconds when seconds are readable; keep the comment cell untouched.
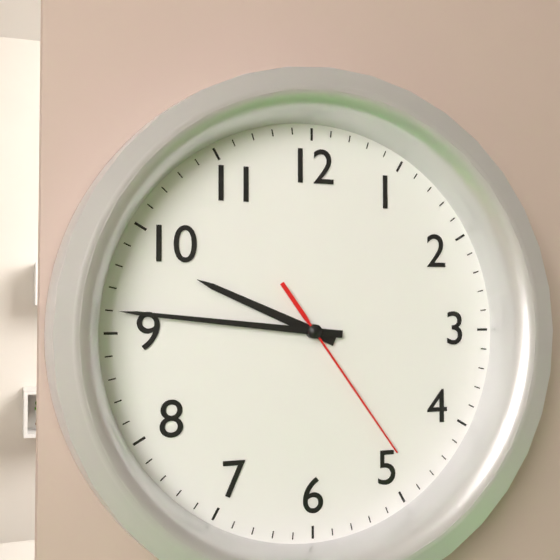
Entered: 9,46,24
